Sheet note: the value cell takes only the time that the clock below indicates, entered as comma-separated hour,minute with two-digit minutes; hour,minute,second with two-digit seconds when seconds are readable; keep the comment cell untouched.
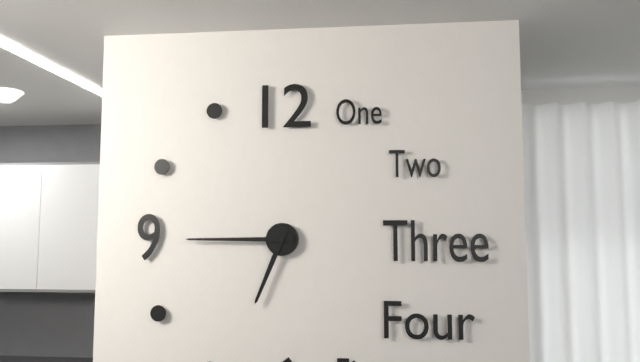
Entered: 6,45
